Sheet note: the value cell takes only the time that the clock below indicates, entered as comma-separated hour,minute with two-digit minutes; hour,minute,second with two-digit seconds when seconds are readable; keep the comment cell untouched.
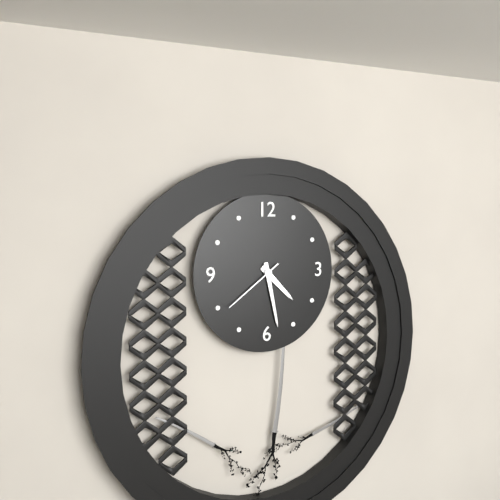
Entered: 4,28,39
